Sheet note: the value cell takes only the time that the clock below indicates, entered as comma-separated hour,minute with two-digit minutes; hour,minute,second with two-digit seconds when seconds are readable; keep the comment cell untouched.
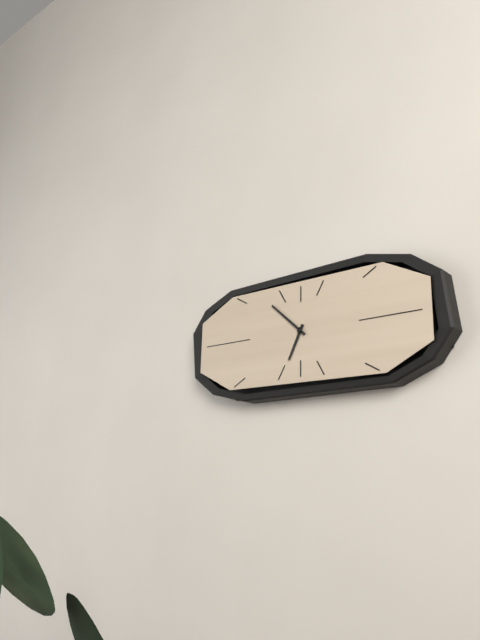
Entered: 6,52
